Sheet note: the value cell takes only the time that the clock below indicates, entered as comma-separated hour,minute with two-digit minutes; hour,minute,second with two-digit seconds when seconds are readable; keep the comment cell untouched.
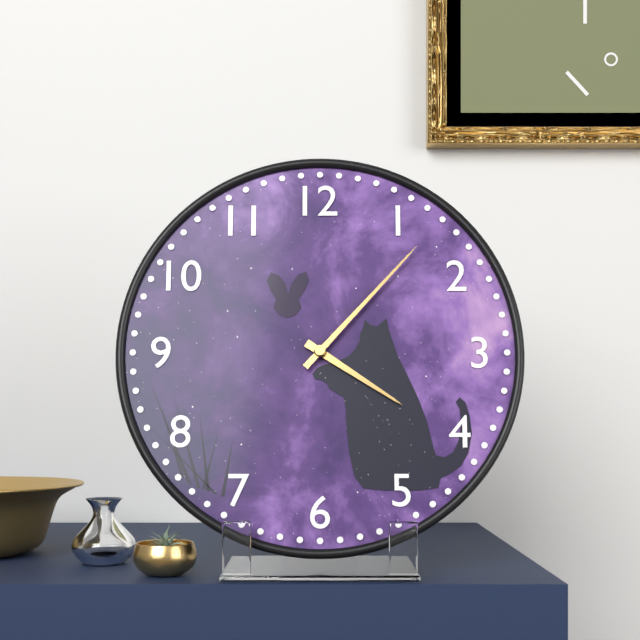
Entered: 4,07
